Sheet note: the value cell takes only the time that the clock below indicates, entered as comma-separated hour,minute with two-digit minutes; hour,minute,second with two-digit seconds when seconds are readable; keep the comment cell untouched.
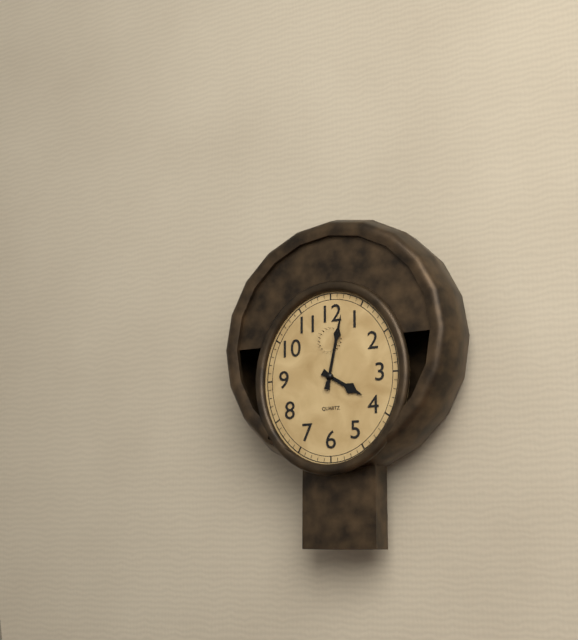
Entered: 4,02
